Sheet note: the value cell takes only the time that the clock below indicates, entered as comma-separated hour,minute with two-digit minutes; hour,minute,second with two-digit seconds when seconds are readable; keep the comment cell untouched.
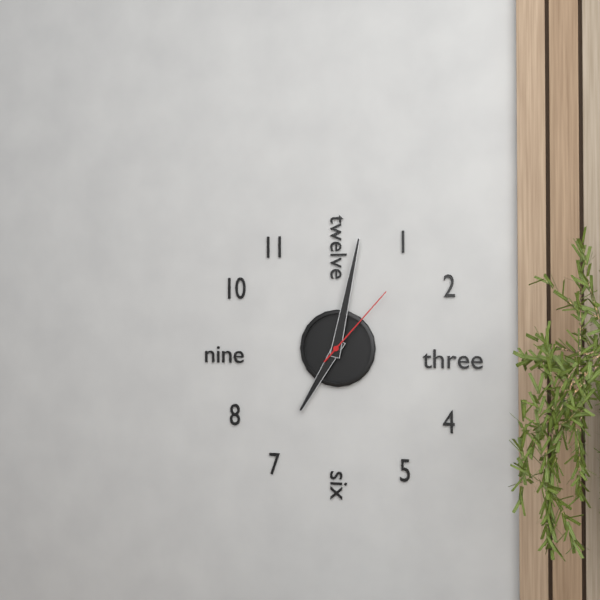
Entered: 7,02,07
